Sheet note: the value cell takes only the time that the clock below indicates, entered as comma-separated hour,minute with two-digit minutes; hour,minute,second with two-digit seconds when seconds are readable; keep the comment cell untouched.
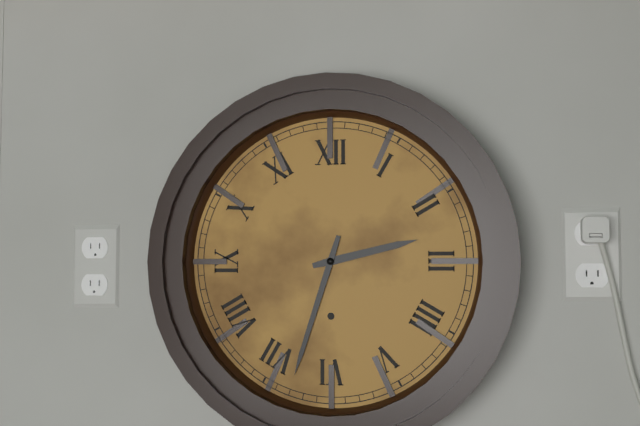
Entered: 2,33
